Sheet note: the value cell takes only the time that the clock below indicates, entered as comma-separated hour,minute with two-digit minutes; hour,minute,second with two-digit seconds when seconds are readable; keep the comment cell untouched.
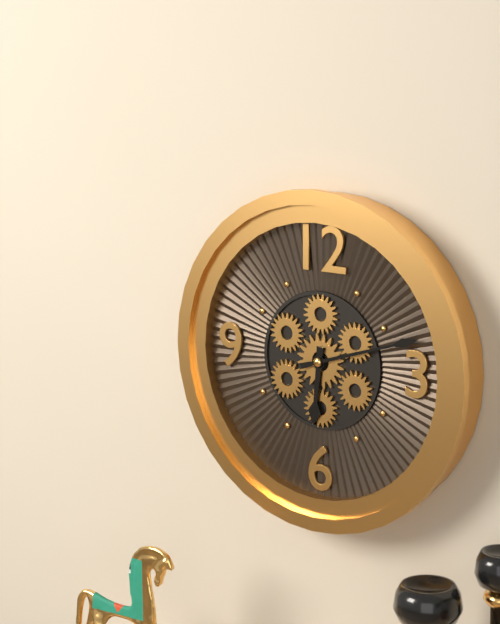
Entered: 6,12
